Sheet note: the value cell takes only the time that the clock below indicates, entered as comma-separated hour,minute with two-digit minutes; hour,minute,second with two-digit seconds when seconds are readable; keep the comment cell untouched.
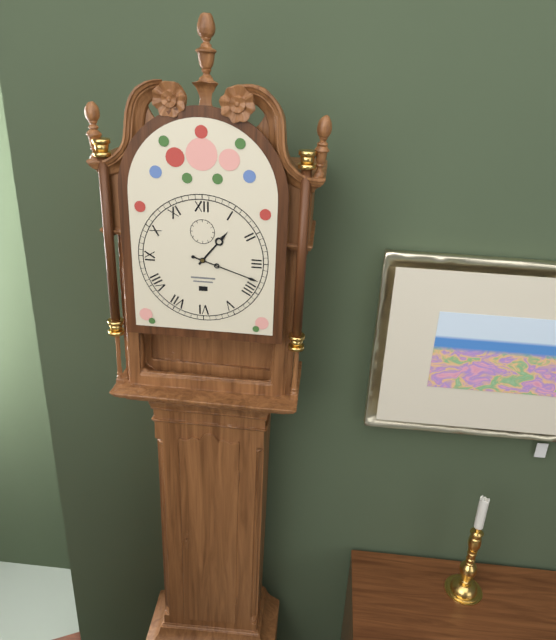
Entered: 1,18
